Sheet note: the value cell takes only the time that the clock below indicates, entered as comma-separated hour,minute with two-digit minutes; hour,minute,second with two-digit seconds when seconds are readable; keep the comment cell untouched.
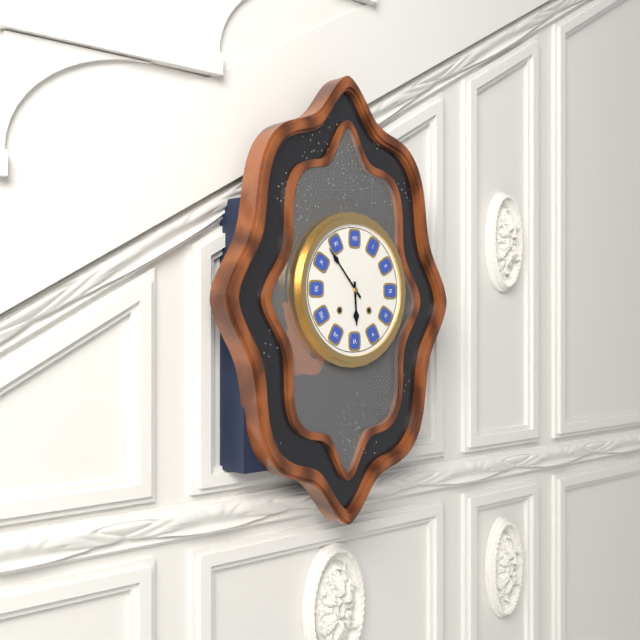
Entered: 5,53
